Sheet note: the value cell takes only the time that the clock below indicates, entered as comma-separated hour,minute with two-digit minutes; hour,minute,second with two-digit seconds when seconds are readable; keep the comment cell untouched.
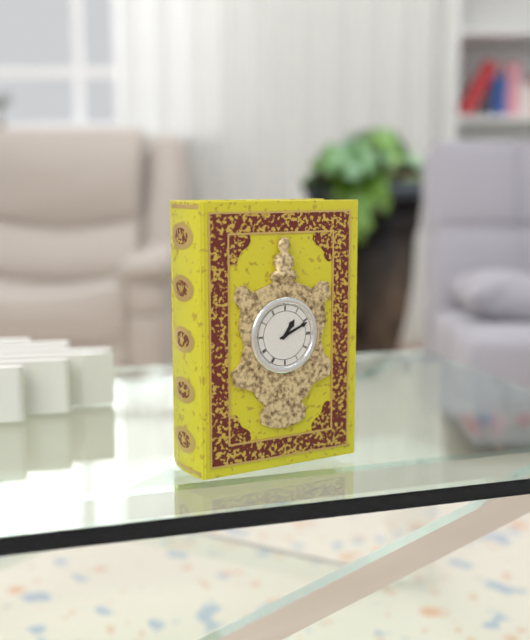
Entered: 1,11
